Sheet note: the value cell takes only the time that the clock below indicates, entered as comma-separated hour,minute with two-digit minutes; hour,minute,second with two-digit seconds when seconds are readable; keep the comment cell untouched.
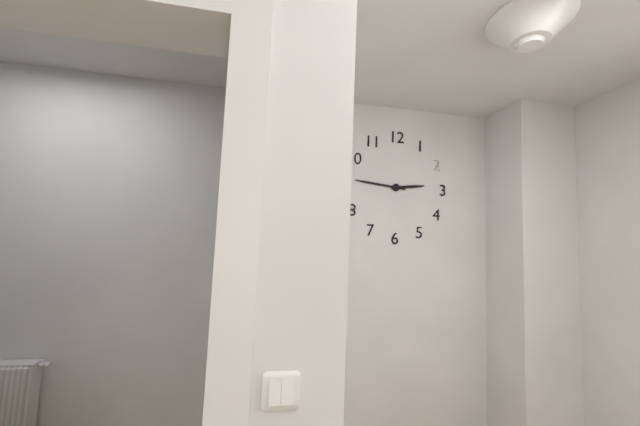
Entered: 2,46
